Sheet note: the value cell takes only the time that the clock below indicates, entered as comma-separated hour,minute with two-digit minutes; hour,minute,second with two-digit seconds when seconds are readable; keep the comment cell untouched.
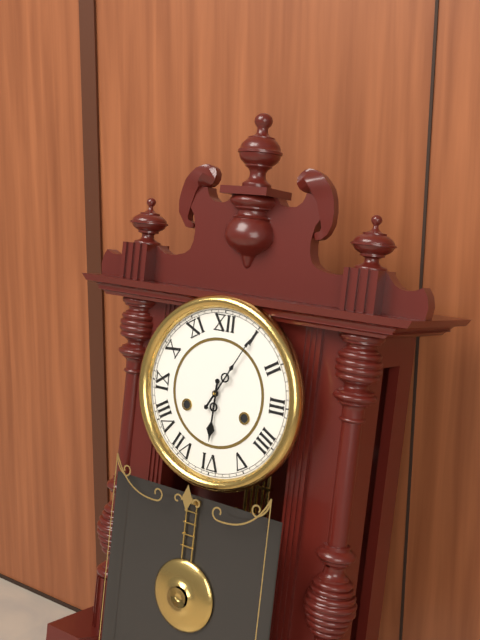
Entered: 6,05
